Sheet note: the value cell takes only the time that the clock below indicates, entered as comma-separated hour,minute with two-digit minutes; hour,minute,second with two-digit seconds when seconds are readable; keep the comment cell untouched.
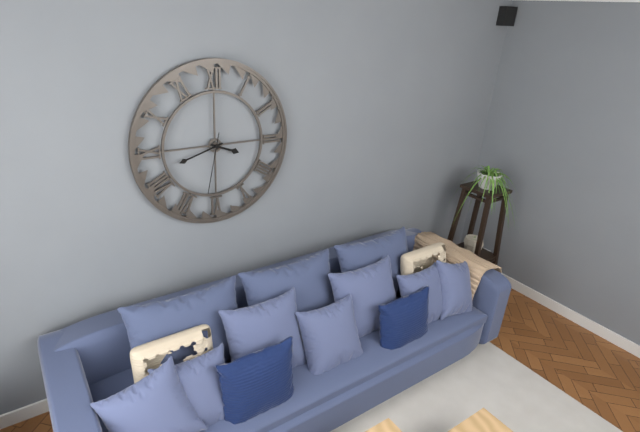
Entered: 3,42,32
